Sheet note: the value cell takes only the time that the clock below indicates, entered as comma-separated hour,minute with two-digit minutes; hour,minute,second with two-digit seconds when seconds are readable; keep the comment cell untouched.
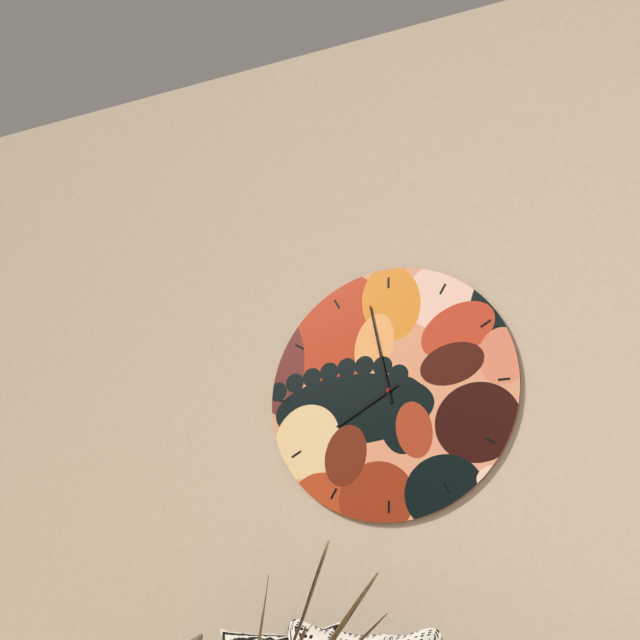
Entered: 7,58
